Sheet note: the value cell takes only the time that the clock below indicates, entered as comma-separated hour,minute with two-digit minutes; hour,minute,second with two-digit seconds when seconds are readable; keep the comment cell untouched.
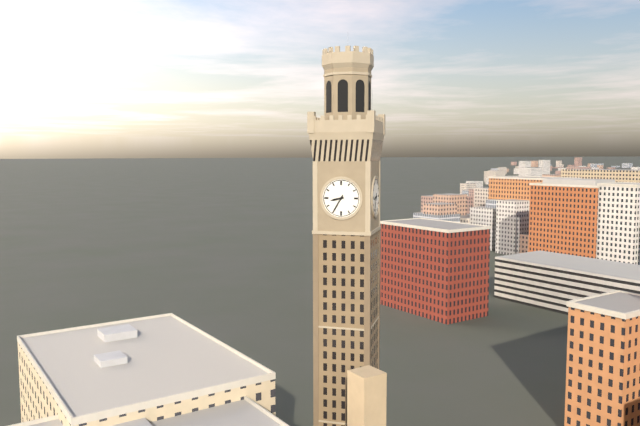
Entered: 8,35
